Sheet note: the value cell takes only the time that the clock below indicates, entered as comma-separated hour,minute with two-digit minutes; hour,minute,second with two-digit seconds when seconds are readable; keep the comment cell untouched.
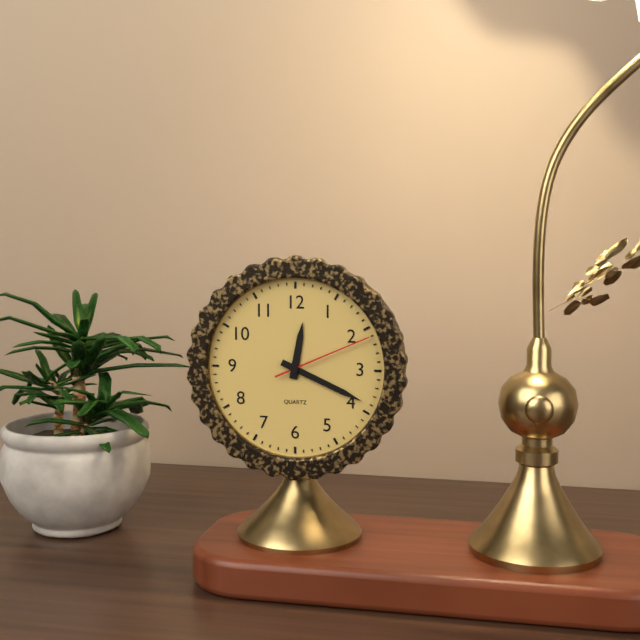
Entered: 12,19,11
